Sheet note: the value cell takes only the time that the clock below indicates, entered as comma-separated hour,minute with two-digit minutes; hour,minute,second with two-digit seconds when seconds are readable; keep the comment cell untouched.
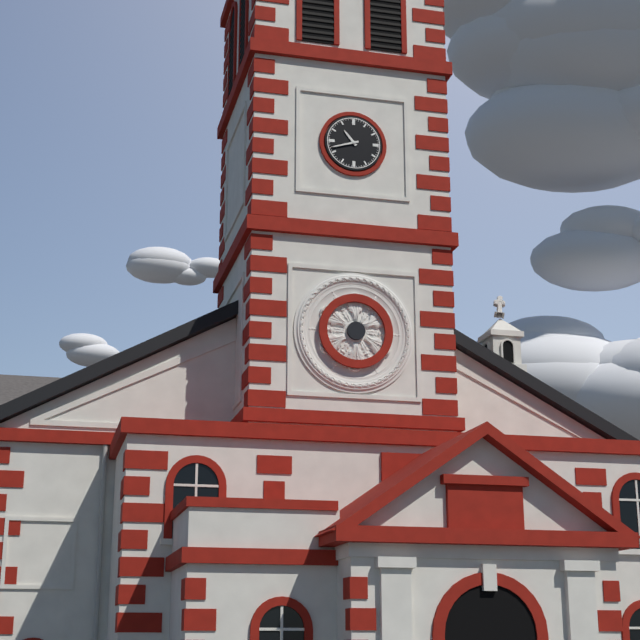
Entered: 10,42
